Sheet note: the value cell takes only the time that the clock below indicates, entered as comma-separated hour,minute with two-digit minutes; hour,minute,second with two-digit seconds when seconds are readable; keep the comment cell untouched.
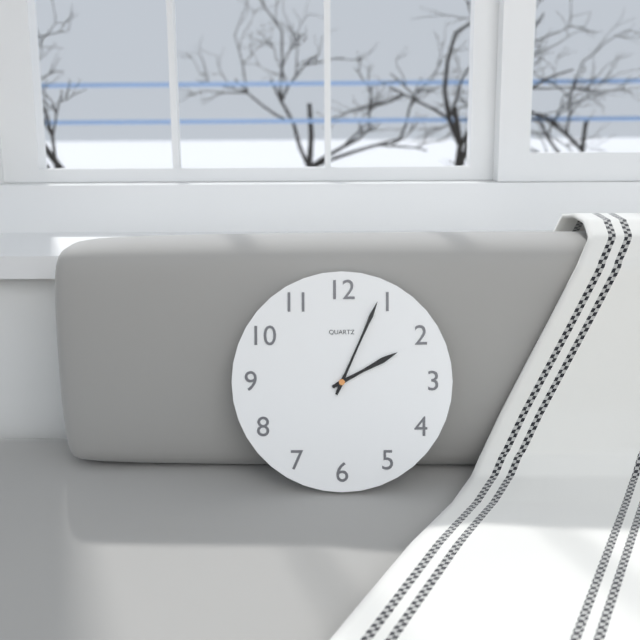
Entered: 2,04
